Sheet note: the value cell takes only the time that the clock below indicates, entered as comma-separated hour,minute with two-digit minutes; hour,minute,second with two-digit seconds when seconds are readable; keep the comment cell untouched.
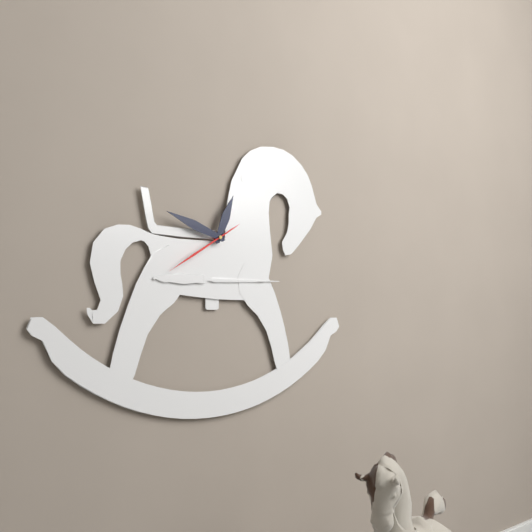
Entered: 12,48,40
